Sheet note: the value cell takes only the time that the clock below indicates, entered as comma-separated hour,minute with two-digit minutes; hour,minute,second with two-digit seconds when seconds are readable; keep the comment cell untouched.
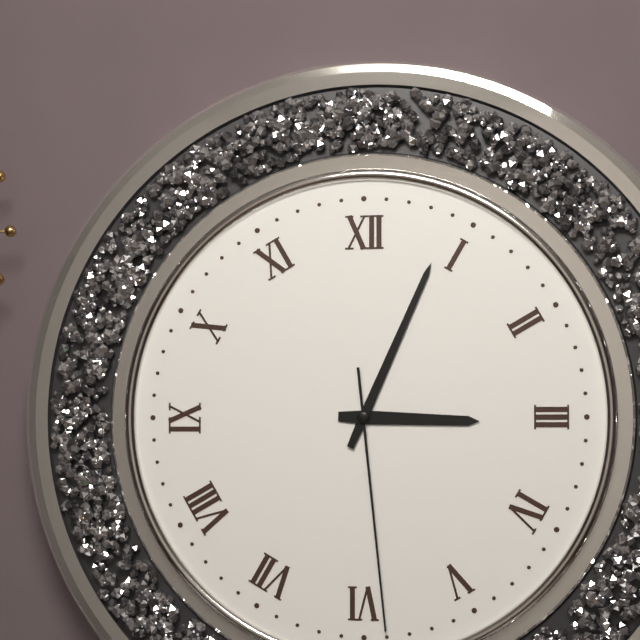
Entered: 3,04,29
